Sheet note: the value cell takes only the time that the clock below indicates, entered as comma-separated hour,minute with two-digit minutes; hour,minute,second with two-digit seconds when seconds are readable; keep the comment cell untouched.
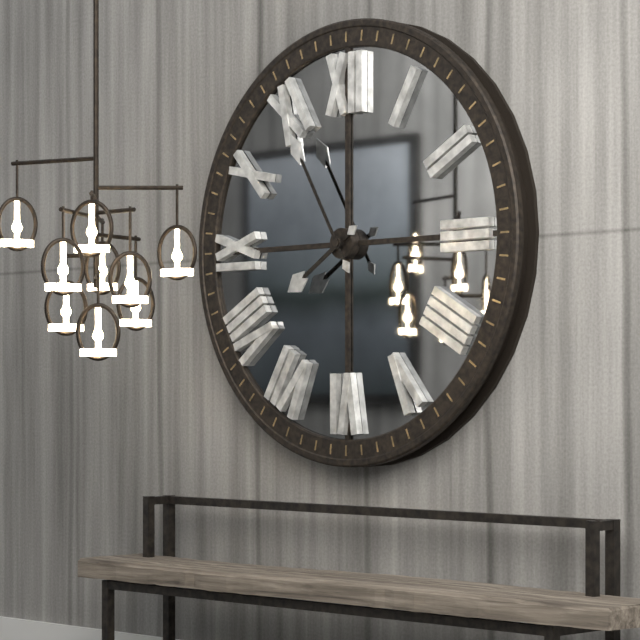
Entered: 7,55
